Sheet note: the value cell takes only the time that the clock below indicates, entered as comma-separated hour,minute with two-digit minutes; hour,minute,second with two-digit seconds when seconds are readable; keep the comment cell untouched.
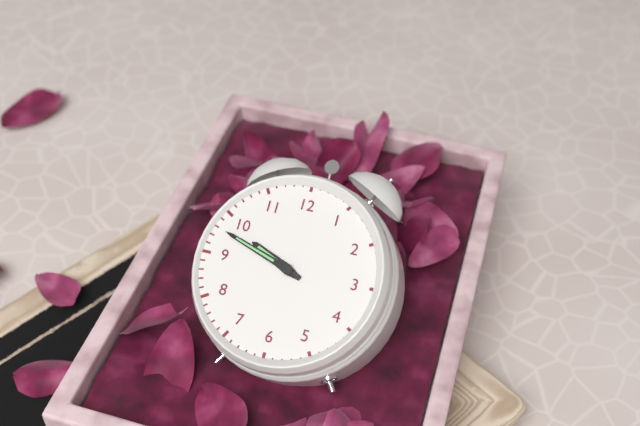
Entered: 9,48
